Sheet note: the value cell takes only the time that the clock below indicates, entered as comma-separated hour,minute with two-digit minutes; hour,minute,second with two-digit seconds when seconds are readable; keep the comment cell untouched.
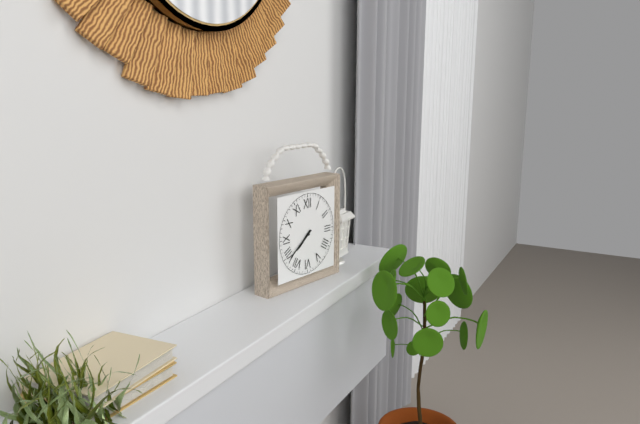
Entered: 7,39
